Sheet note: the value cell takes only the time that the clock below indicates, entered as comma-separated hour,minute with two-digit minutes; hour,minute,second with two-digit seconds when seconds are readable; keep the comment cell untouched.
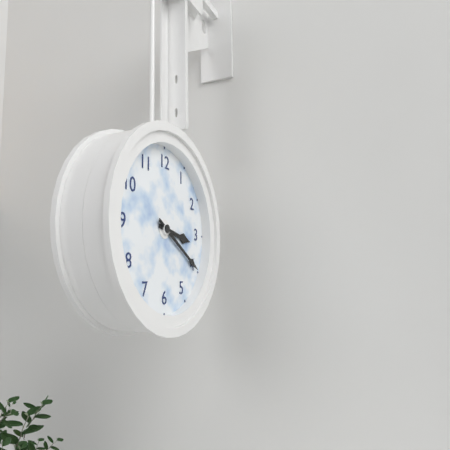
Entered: 3,20
